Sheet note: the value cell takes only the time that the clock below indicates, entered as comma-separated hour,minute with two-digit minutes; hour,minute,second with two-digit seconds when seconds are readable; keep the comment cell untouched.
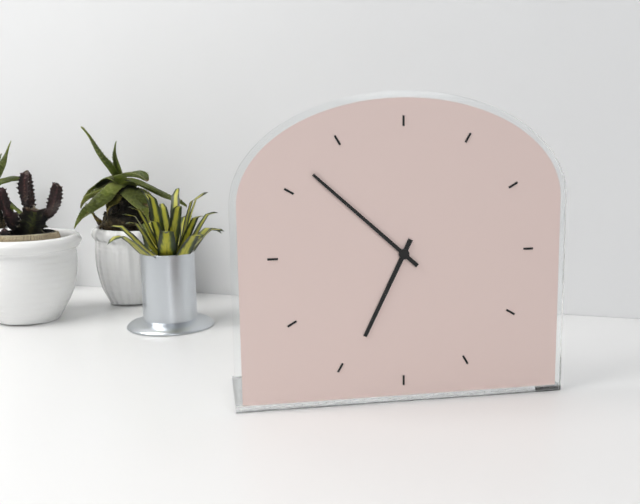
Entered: 6,52
